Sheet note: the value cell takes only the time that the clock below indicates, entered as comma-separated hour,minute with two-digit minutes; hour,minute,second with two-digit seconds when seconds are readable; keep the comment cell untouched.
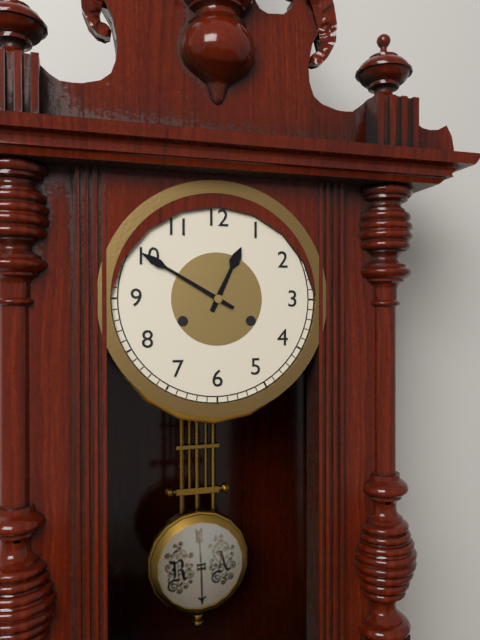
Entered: 12,50
